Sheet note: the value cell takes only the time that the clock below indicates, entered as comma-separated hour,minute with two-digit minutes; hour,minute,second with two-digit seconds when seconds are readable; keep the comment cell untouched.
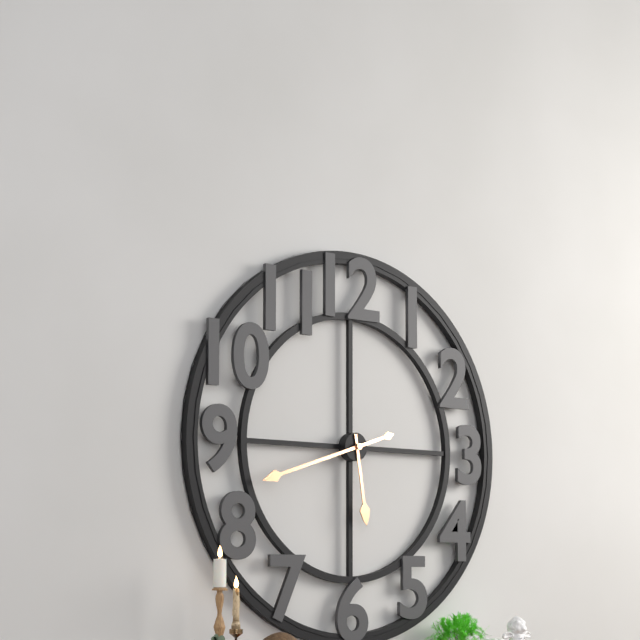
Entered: 5,42
